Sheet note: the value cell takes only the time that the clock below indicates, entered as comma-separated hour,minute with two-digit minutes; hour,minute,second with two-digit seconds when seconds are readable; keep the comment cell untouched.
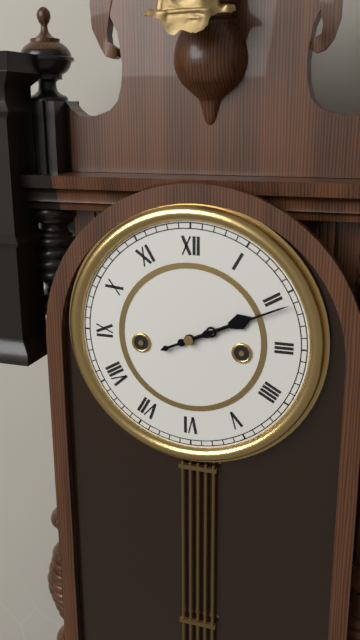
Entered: 2,11
